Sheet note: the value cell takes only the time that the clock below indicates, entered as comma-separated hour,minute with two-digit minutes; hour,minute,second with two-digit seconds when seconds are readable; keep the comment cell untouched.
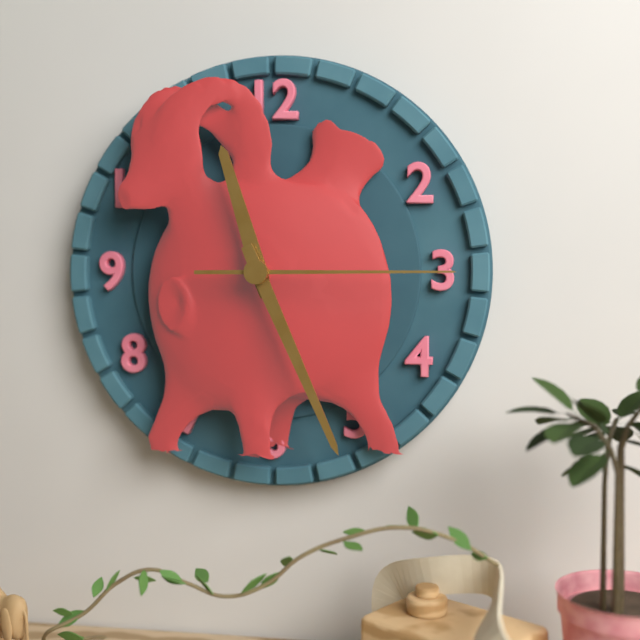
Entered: 11,26,15
